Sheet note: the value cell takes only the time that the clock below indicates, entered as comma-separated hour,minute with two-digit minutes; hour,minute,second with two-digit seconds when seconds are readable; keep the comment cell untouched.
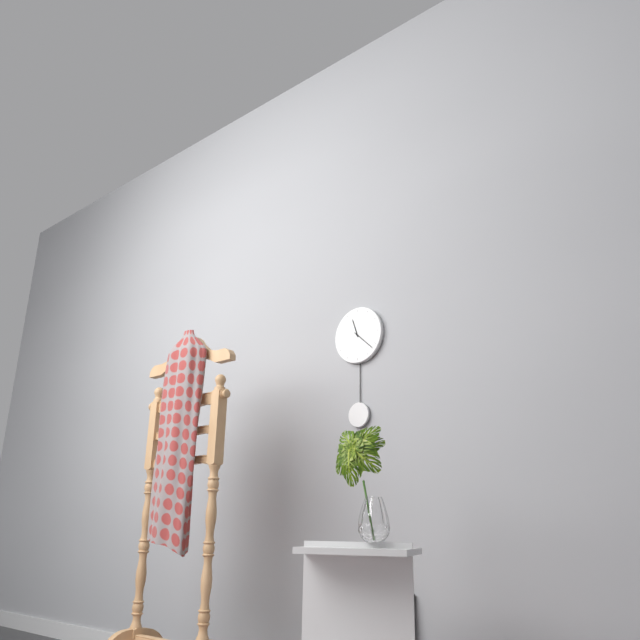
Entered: 11,22
